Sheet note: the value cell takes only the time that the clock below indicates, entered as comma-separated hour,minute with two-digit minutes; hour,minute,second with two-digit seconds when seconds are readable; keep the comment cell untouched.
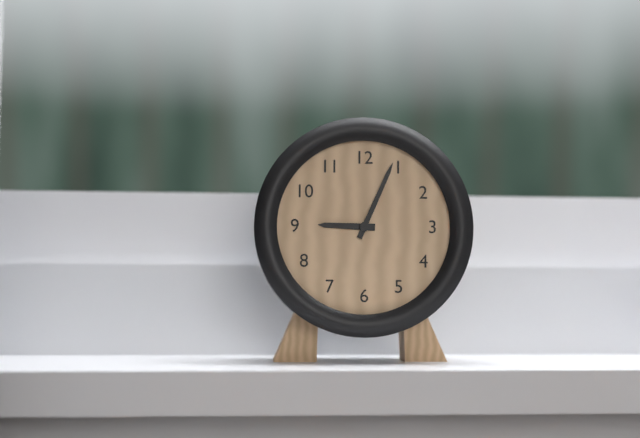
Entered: 9,04
